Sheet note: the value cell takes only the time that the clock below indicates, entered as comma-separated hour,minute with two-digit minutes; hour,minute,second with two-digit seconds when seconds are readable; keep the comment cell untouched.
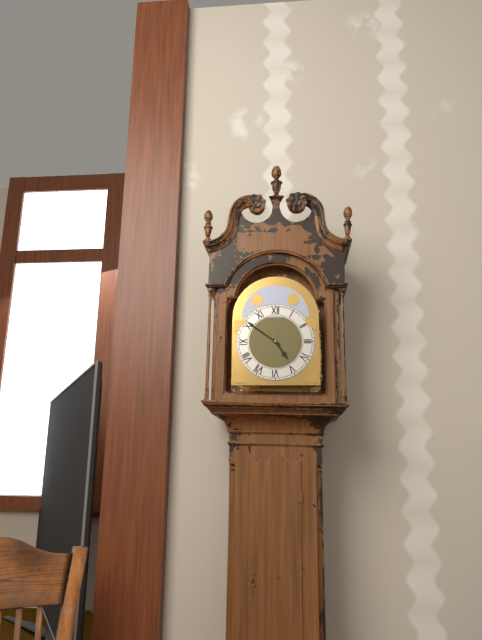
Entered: 4,51
